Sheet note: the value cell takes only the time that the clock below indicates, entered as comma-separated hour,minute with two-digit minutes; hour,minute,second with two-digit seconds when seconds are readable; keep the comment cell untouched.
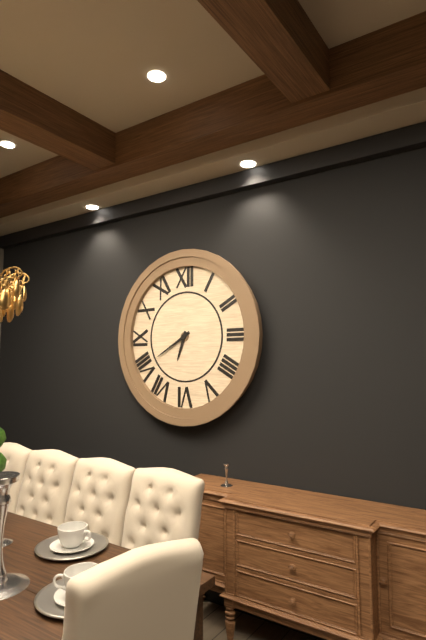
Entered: 6,40
